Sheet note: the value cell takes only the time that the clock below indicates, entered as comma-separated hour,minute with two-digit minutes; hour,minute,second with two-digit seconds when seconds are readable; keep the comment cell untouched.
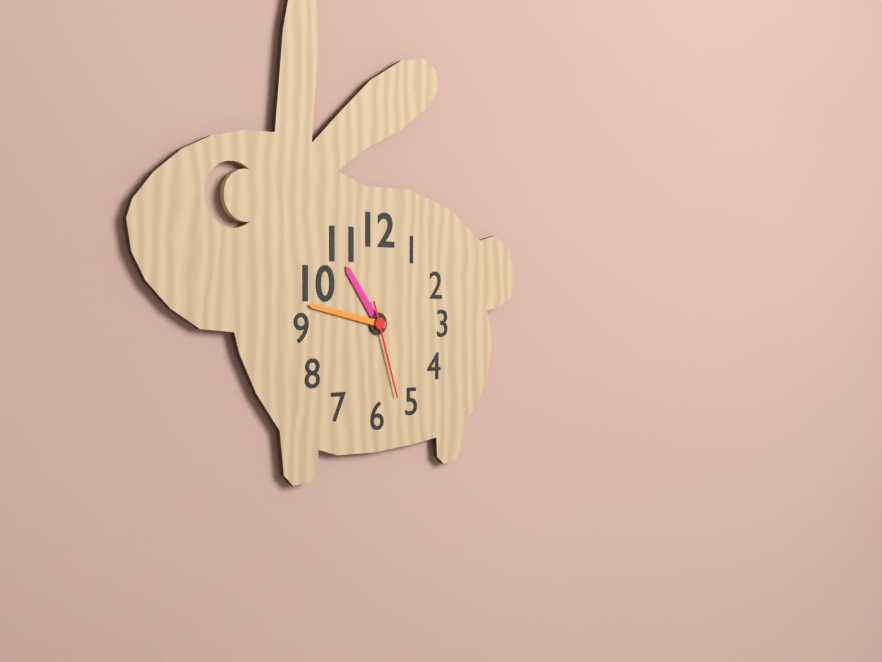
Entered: 10,47,27
